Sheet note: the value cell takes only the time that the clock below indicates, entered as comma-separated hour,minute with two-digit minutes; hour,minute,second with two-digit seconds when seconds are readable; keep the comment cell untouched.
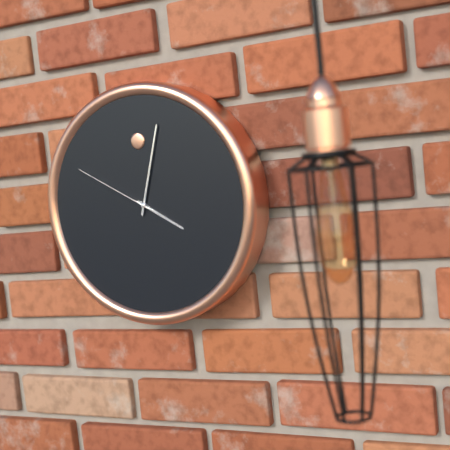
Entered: 4,03,50
